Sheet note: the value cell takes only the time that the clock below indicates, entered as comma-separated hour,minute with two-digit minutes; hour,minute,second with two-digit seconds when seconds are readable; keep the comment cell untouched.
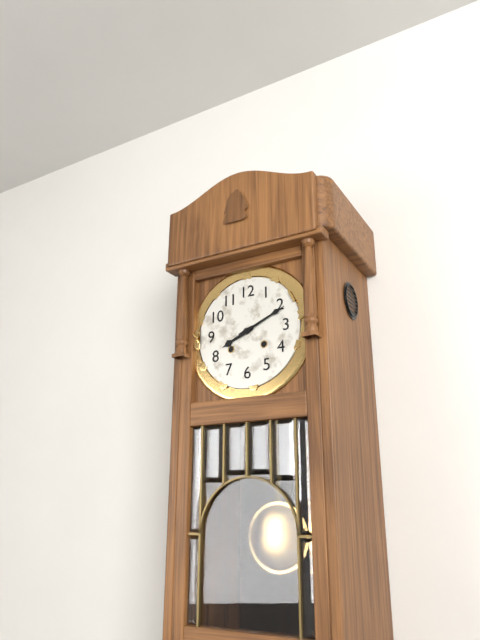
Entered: 8,11
